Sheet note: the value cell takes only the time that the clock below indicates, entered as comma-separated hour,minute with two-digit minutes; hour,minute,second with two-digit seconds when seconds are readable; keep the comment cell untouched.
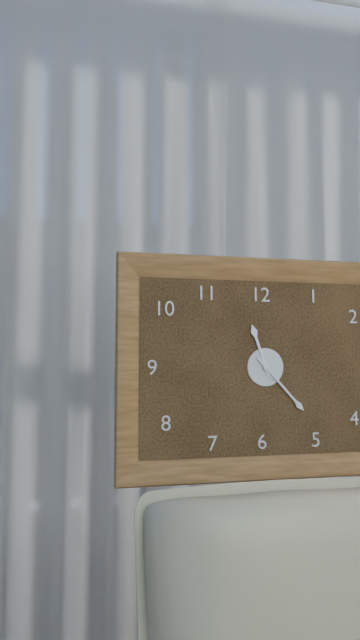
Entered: 11,23
